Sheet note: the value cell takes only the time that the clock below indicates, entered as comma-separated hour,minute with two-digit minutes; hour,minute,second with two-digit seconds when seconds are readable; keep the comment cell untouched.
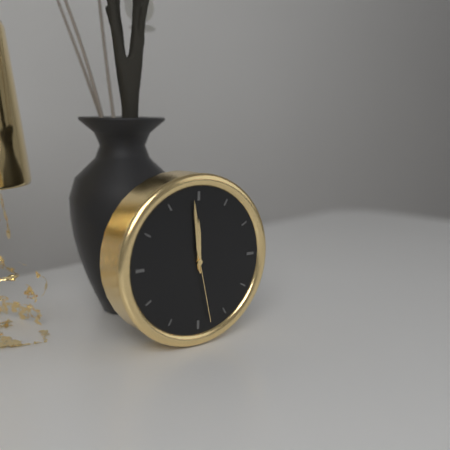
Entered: 11,59,28
